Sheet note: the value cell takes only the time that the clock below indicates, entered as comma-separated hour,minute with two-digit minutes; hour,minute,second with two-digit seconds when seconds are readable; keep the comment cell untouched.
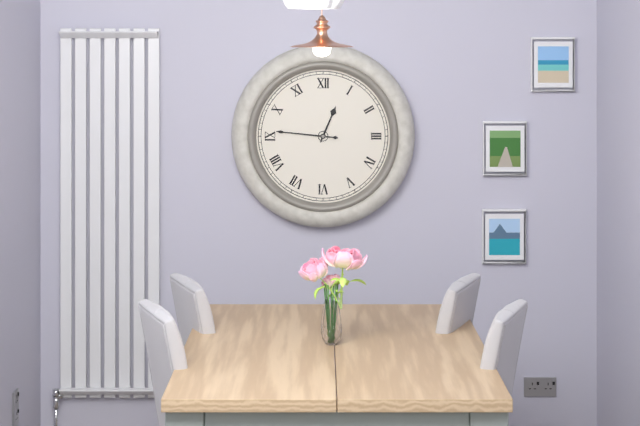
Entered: 12,46
